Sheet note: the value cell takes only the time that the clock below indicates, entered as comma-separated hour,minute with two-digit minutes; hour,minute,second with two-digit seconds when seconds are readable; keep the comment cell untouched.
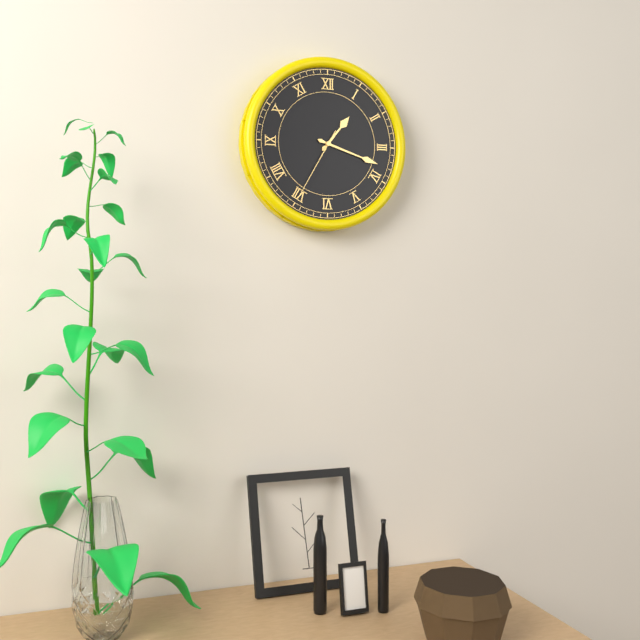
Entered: 1,18,35
